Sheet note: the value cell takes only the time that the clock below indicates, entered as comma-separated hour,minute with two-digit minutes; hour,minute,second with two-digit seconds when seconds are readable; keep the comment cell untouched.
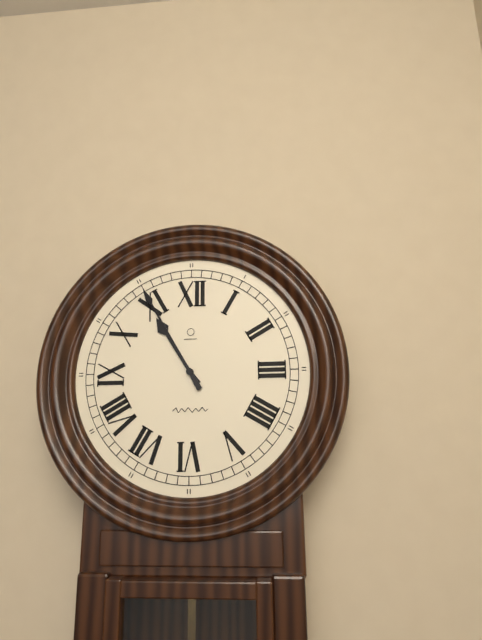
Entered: 10,55
